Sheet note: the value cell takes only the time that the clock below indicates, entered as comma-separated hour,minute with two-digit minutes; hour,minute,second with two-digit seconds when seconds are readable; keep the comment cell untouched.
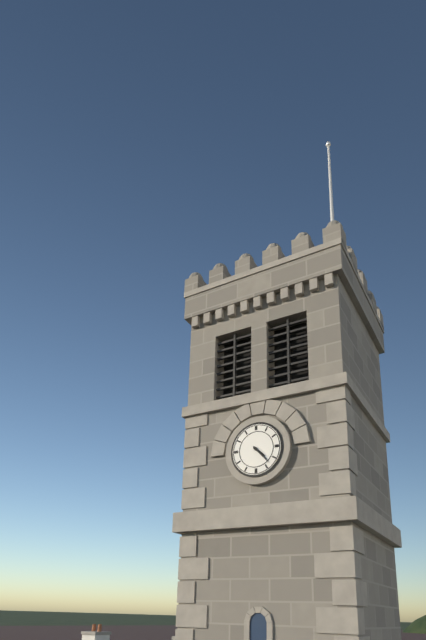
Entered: 4,23
